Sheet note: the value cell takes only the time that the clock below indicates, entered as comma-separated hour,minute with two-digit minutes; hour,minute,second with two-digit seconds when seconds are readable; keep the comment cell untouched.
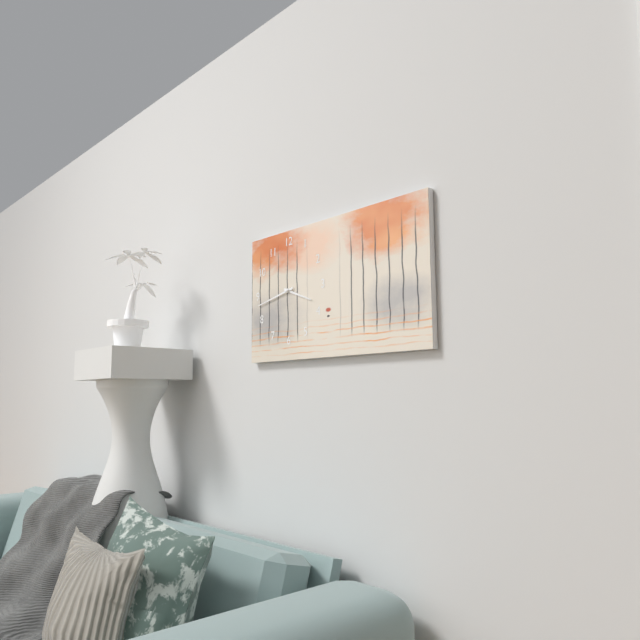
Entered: 3,43
